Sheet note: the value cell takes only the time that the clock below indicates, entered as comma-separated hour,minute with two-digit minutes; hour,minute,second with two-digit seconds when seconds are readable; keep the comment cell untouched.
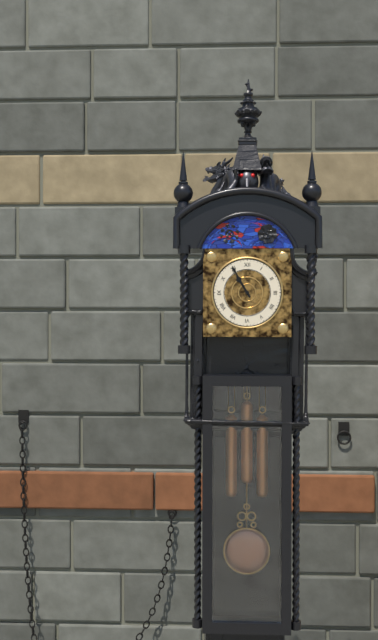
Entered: 10,55
